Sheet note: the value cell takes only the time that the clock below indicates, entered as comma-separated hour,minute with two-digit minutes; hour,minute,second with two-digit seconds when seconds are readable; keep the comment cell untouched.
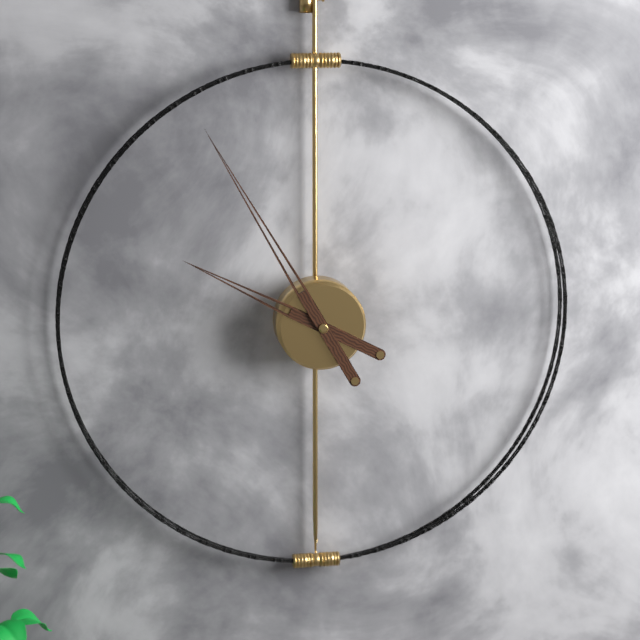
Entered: 9,55
